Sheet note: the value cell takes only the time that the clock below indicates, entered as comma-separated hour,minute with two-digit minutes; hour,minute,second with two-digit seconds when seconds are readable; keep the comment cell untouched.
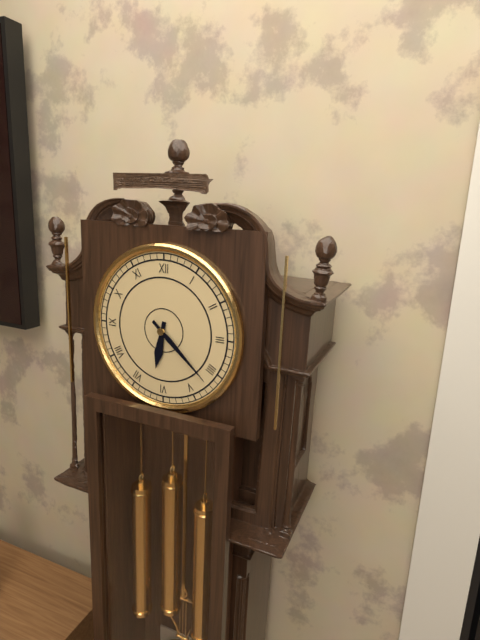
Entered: 6,22
